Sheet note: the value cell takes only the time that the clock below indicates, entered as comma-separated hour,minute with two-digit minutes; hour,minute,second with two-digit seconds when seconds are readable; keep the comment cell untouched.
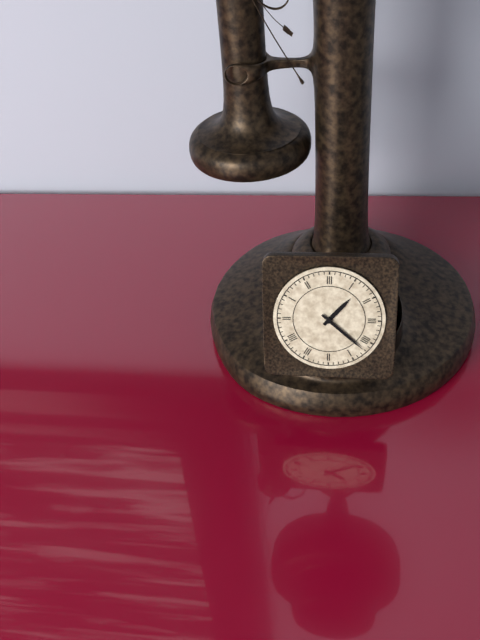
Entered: 1,22
